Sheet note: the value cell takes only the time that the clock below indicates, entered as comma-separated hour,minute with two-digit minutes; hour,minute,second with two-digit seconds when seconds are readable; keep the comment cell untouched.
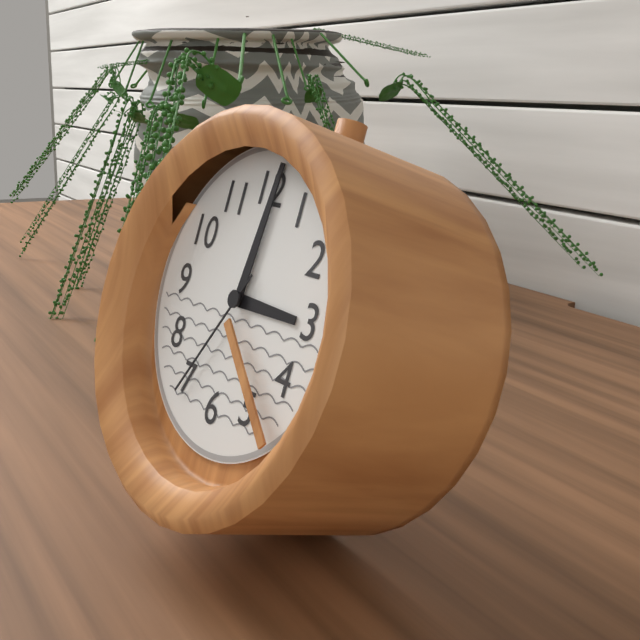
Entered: 3,01,35
